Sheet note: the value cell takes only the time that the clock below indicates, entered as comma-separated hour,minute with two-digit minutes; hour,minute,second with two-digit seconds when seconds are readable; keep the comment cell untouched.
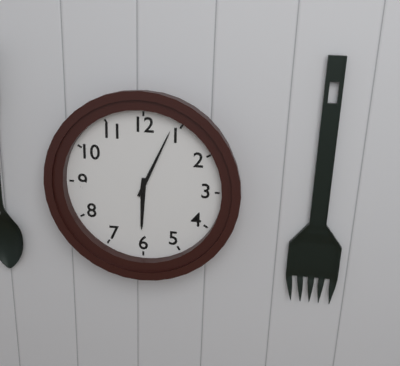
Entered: 6,04
